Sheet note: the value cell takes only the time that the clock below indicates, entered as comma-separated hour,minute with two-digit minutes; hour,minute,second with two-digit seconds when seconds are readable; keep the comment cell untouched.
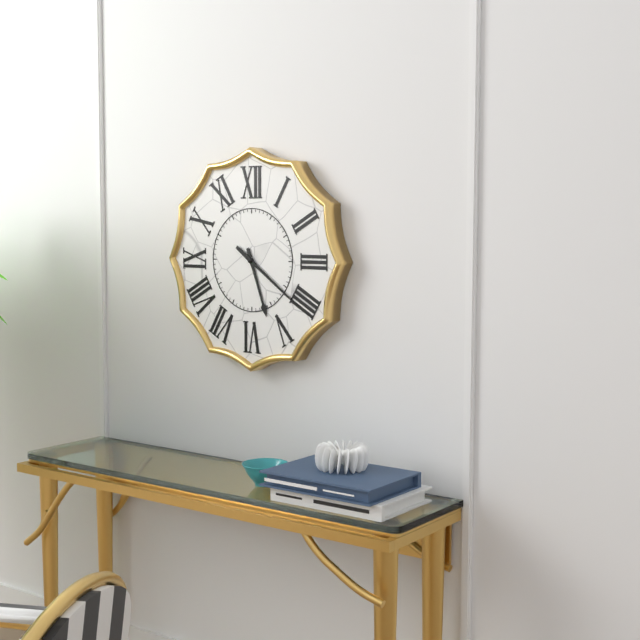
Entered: 5,21
